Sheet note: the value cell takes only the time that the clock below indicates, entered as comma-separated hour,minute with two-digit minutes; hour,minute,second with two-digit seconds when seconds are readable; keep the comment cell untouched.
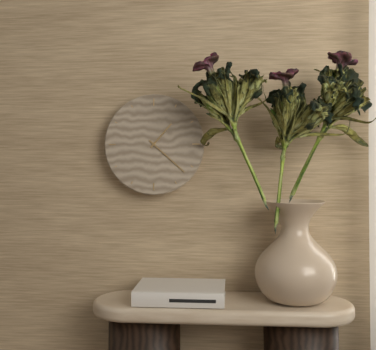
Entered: 1,22
